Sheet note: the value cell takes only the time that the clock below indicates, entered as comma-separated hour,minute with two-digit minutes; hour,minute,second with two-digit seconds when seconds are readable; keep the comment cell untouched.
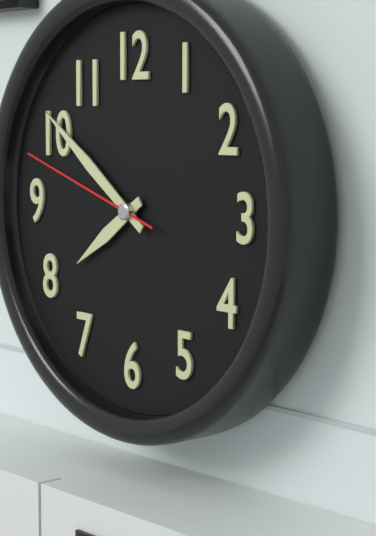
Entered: 7,51,48
